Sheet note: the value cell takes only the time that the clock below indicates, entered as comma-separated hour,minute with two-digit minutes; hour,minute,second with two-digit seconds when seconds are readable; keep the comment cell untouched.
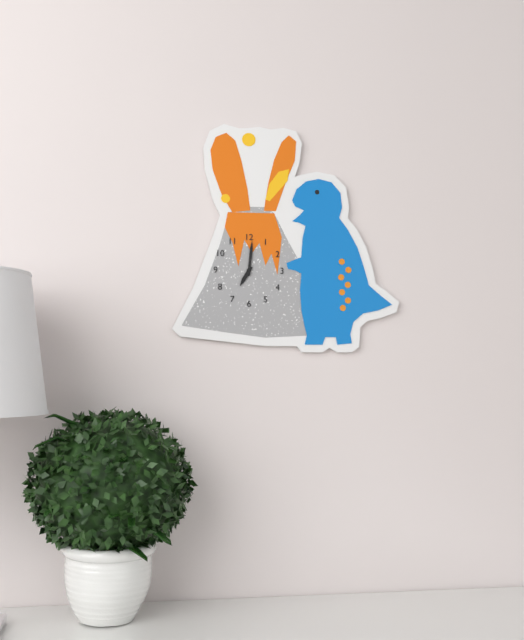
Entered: 7,01
